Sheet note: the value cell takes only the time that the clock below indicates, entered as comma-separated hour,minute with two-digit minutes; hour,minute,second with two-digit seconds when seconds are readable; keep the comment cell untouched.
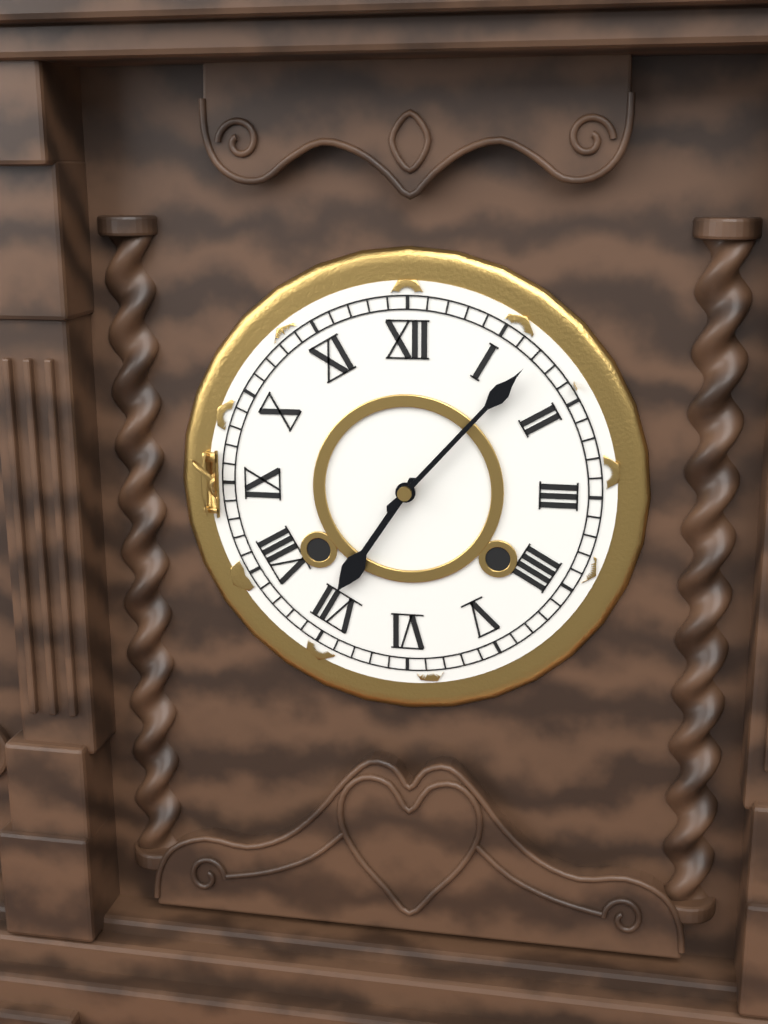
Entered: 7,07
